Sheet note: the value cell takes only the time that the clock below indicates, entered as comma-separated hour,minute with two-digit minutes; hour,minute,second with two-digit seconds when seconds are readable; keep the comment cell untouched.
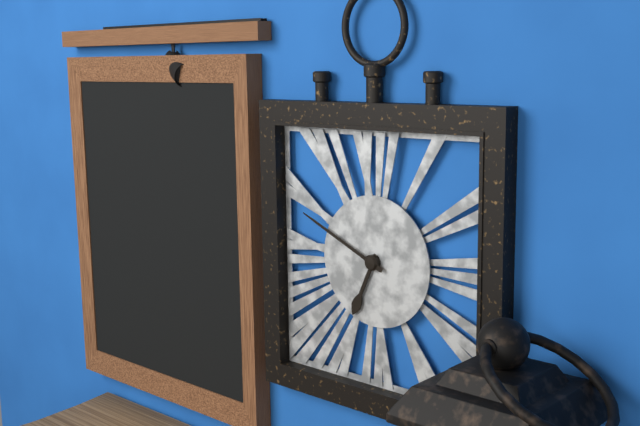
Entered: 6,49
